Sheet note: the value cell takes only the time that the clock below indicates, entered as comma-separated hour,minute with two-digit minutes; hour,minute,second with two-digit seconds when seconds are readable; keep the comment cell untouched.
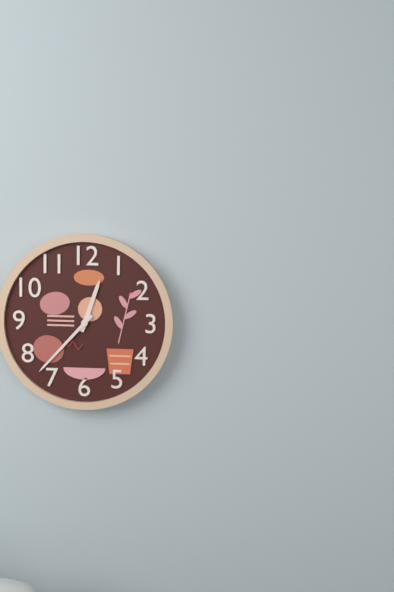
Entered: 12,37
